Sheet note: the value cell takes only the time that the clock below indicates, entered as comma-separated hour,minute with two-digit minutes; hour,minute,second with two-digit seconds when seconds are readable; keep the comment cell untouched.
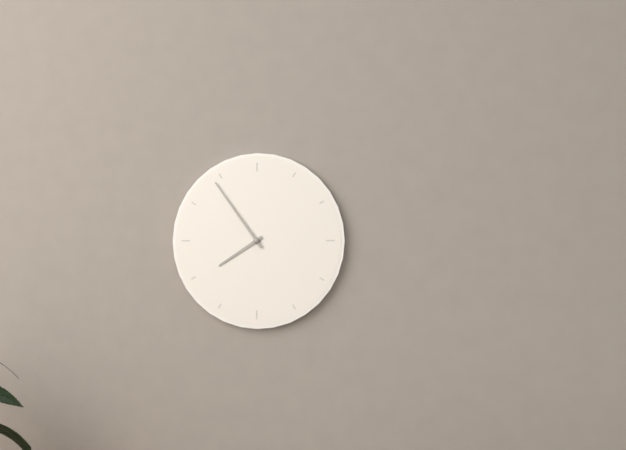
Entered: 7,54
